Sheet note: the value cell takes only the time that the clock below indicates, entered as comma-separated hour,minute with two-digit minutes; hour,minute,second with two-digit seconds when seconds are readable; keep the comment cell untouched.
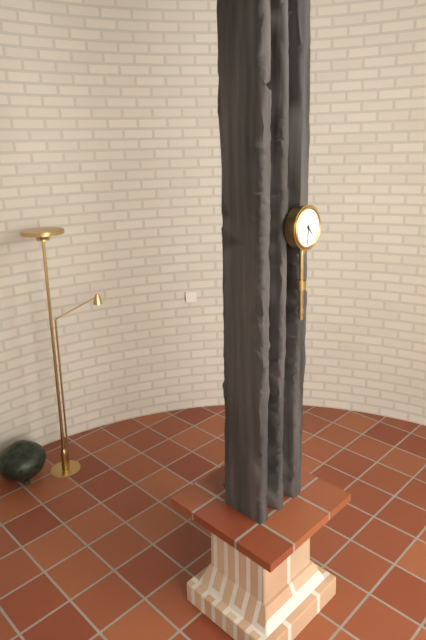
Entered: 4,31
